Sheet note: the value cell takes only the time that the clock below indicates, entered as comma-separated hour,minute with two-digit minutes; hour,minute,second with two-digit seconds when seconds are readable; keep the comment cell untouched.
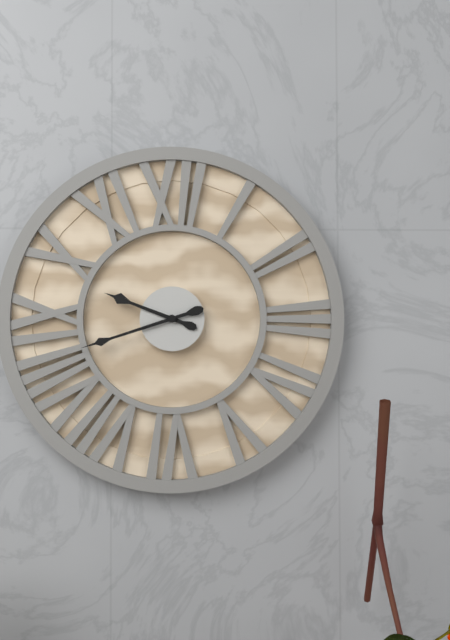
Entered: 9,42
